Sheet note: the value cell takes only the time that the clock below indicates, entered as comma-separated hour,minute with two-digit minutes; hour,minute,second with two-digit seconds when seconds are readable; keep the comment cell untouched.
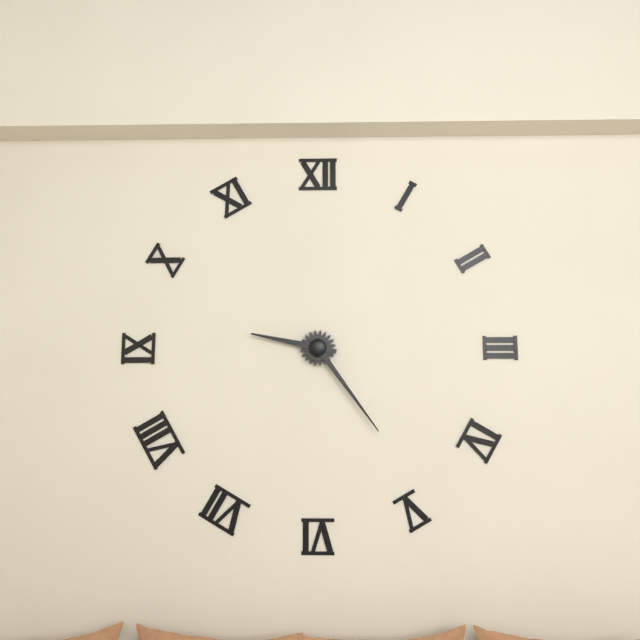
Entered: 9,24
